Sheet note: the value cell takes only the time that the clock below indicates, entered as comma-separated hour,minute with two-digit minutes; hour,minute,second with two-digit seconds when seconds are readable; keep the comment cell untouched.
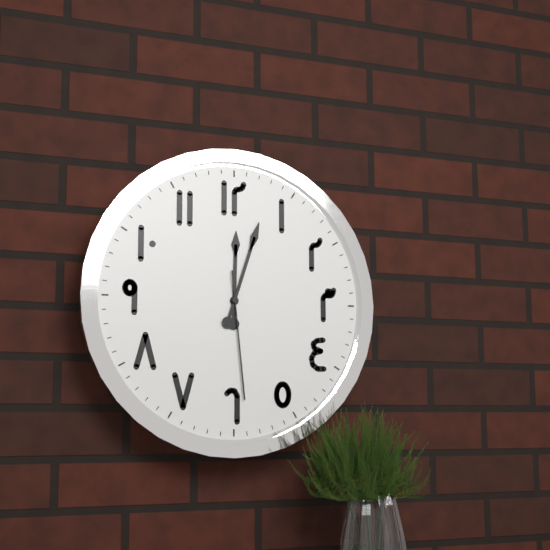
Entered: 12,03,29
